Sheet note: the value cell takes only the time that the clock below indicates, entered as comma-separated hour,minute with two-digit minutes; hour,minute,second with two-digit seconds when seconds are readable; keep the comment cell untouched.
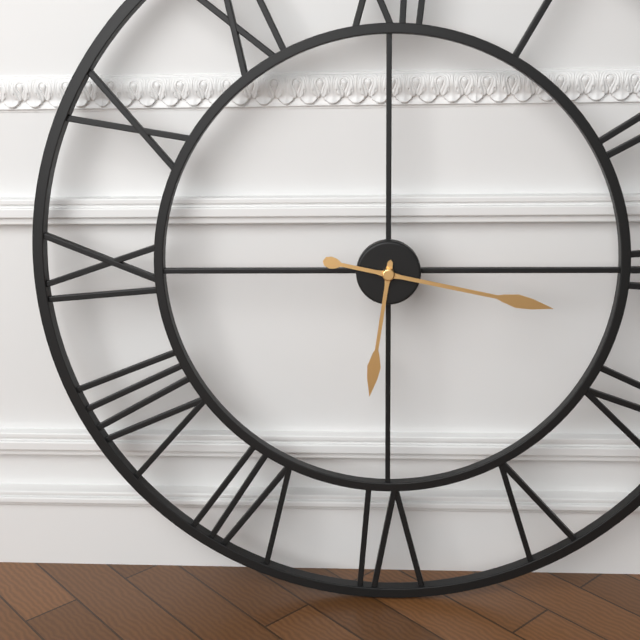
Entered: 6,17
